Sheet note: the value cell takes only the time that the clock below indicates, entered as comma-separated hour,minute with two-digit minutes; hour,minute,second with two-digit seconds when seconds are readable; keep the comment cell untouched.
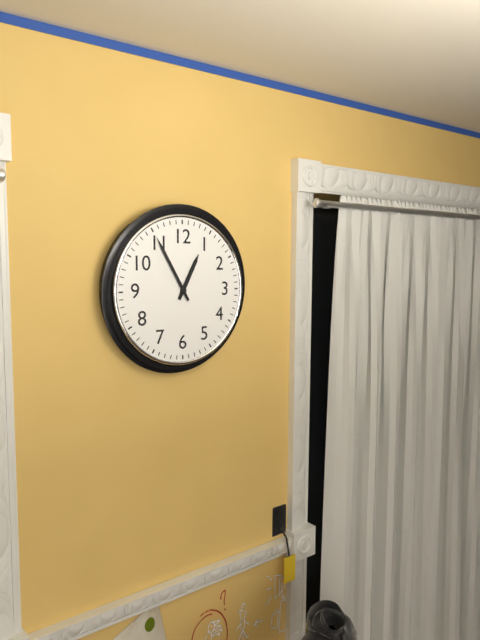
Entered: 12,55
